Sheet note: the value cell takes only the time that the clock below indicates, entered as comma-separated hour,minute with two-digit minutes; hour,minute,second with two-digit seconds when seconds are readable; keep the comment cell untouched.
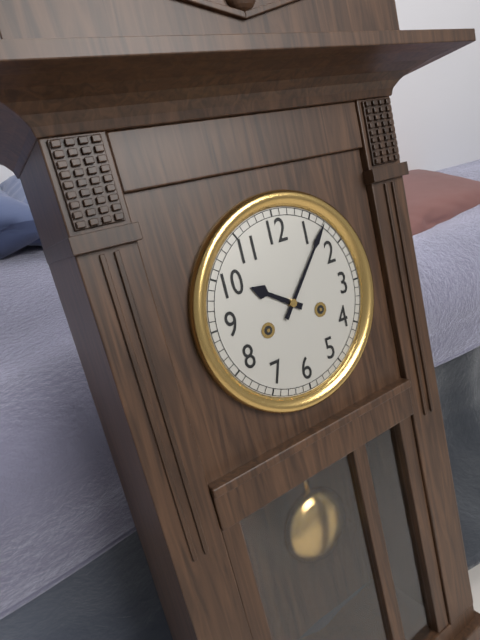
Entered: 10,07
